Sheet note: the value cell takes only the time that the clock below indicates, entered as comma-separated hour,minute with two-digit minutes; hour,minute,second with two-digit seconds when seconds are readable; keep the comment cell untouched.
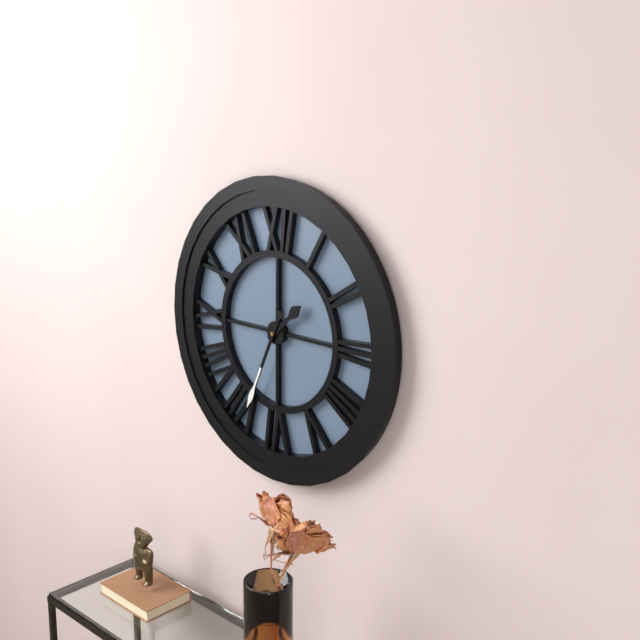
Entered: 1,34
